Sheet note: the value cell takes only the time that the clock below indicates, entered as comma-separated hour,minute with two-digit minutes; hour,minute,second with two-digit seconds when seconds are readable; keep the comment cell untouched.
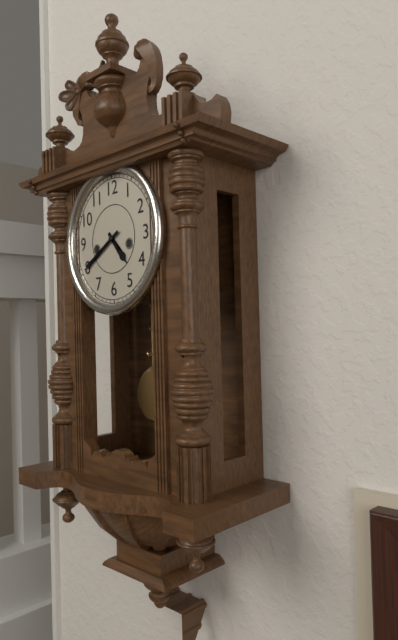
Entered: 4,40
